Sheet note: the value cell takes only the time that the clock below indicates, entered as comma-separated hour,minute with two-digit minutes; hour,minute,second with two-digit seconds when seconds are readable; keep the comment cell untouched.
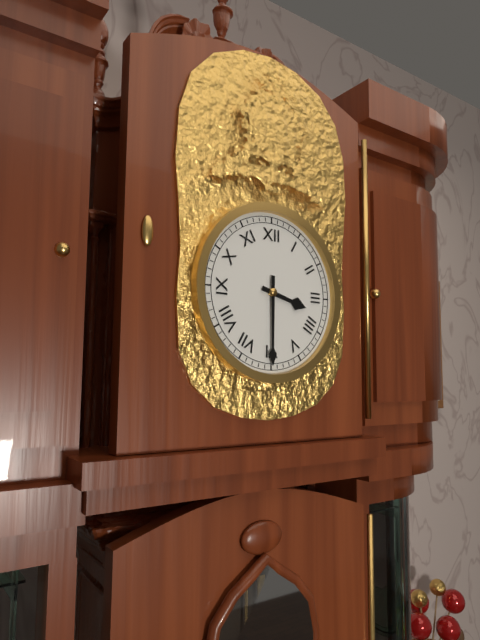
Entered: 3,30
